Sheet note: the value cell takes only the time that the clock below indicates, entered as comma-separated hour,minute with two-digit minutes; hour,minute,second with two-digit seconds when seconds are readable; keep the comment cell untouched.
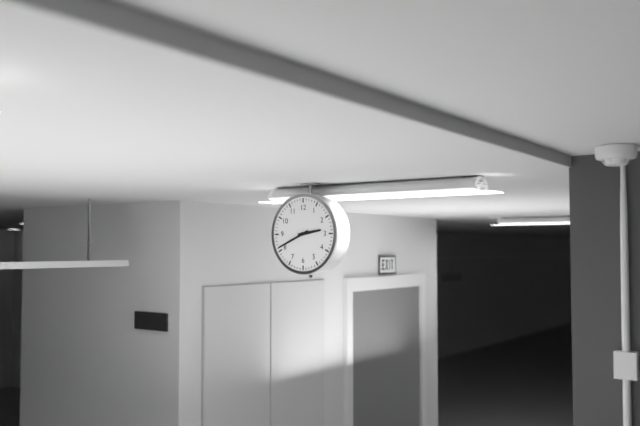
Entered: 2,41
